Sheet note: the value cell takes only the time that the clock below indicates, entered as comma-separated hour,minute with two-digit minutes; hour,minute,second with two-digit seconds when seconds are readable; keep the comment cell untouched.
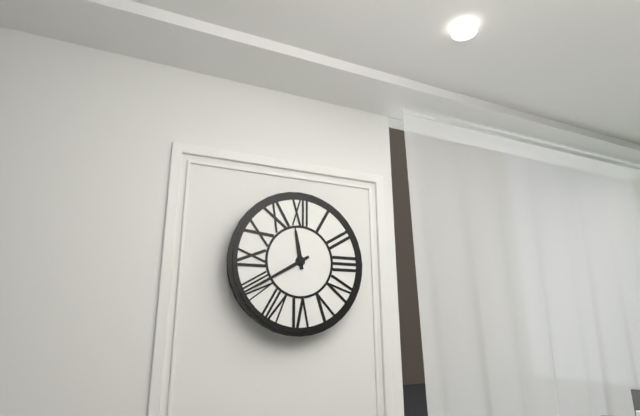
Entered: 11,40
